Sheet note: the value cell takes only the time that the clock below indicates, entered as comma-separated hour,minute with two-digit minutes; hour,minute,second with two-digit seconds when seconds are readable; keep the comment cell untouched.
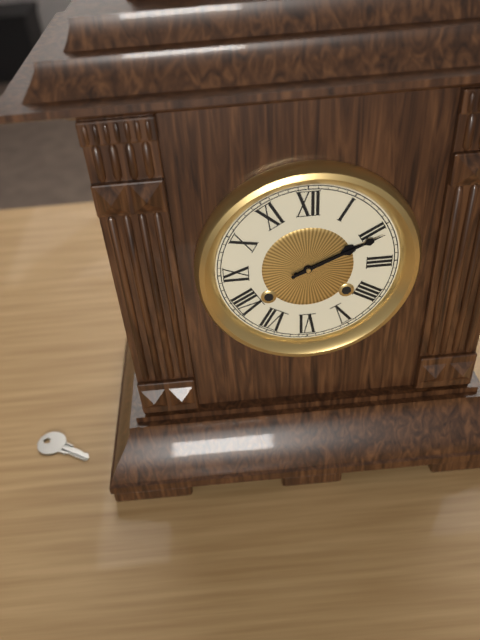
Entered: 2,11
